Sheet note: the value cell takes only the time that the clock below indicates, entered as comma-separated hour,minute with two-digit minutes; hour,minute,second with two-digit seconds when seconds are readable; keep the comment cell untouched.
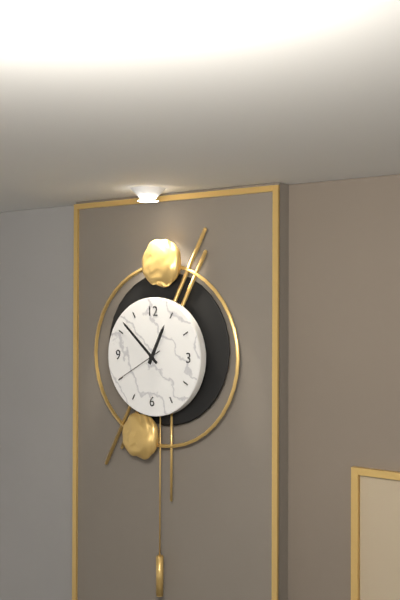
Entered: 12,52
